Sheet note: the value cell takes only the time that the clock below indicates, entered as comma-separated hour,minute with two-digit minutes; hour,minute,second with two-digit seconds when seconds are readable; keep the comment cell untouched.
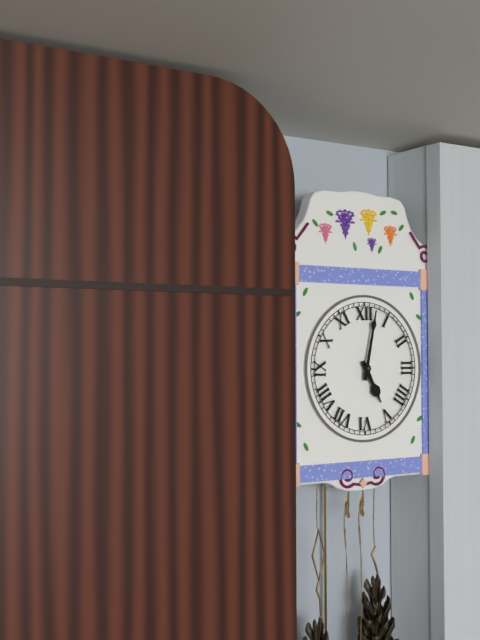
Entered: 5,02
